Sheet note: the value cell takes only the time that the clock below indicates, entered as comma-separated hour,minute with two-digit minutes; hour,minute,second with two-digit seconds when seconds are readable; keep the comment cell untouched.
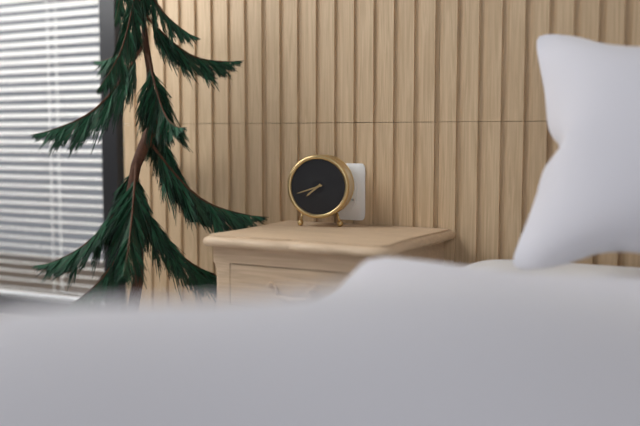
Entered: 7,42
